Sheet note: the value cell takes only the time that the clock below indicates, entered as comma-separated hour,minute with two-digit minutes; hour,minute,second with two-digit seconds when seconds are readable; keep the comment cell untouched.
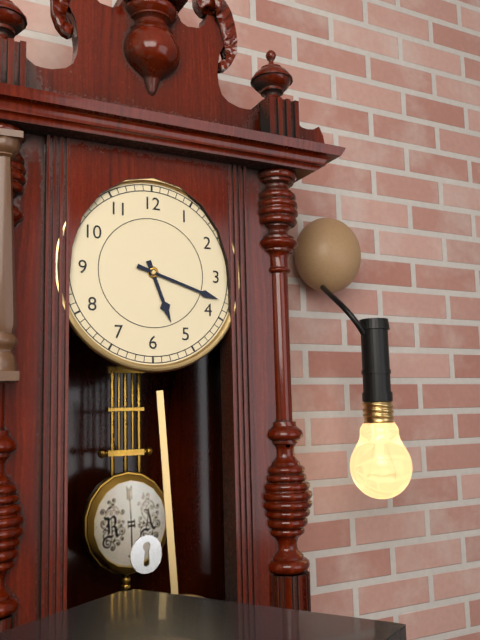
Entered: 5,18
